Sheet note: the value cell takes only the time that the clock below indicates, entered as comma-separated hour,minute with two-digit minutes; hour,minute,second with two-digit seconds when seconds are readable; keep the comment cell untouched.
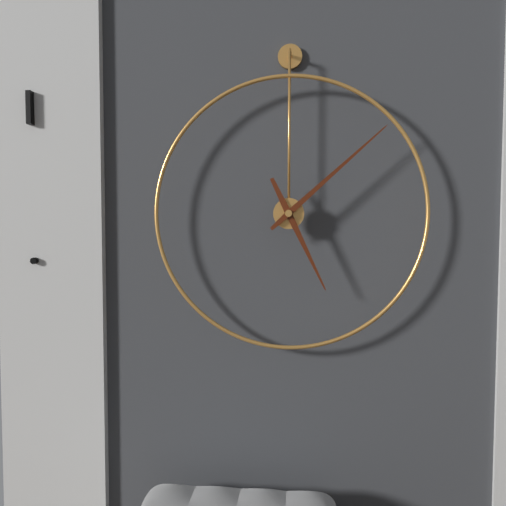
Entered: 5,08
